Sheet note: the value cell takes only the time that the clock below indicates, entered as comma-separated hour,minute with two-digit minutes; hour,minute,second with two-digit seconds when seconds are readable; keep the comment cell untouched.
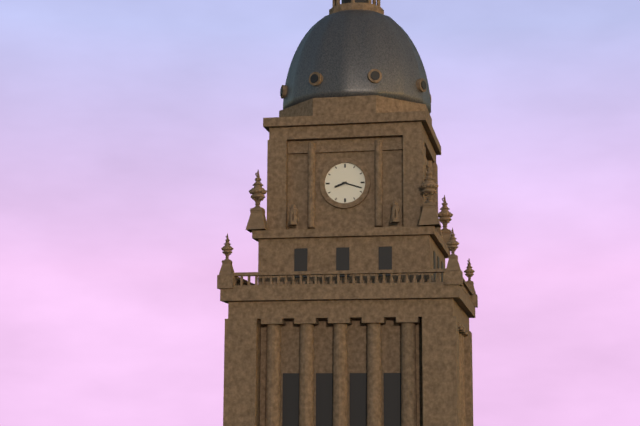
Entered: 8,18
